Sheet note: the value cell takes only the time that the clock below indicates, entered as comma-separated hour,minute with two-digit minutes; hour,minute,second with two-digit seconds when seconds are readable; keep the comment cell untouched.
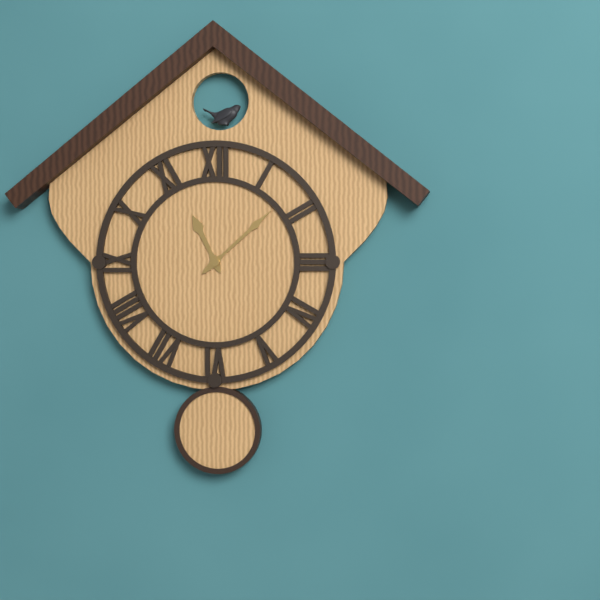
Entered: 11,08
